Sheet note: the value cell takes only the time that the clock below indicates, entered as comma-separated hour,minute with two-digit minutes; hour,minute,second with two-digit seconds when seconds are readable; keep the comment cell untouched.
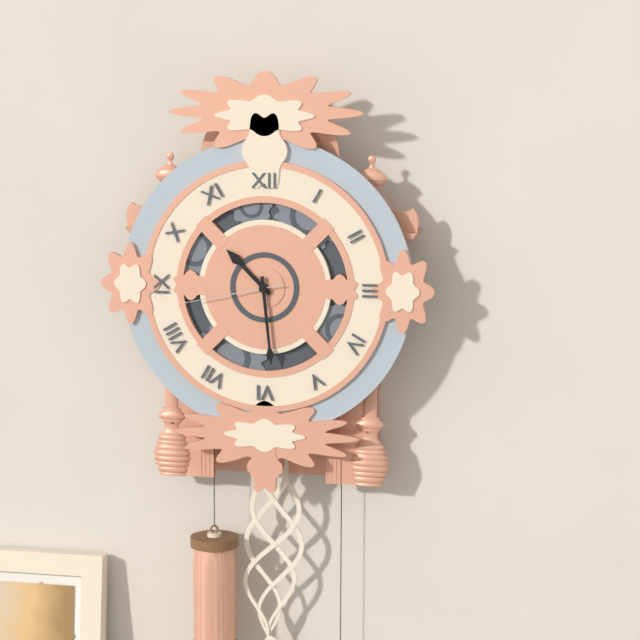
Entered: 10,29,43
